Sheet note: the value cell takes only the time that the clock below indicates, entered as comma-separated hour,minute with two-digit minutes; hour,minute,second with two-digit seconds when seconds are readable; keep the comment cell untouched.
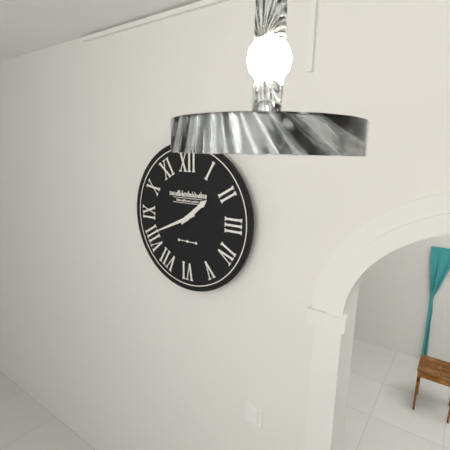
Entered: 1,41
